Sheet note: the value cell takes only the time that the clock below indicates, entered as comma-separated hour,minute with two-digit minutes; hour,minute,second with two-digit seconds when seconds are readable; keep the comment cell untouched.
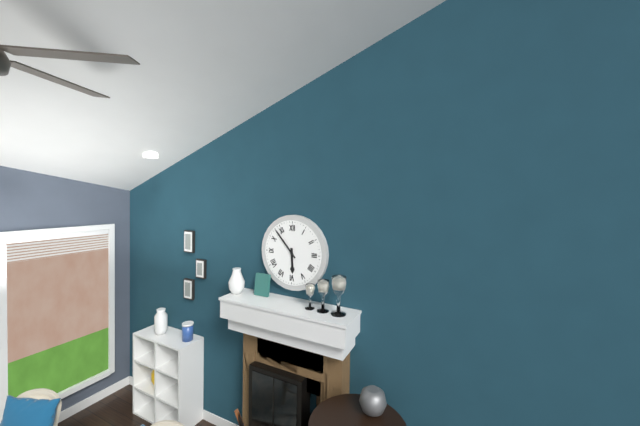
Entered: 5,53
